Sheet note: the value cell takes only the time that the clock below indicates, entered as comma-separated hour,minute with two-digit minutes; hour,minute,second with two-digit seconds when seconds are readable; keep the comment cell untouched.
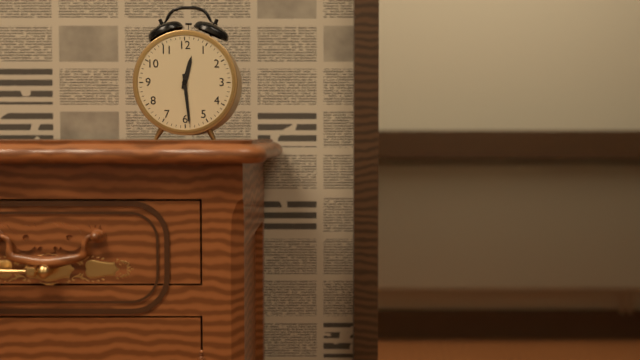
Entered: 12,29
